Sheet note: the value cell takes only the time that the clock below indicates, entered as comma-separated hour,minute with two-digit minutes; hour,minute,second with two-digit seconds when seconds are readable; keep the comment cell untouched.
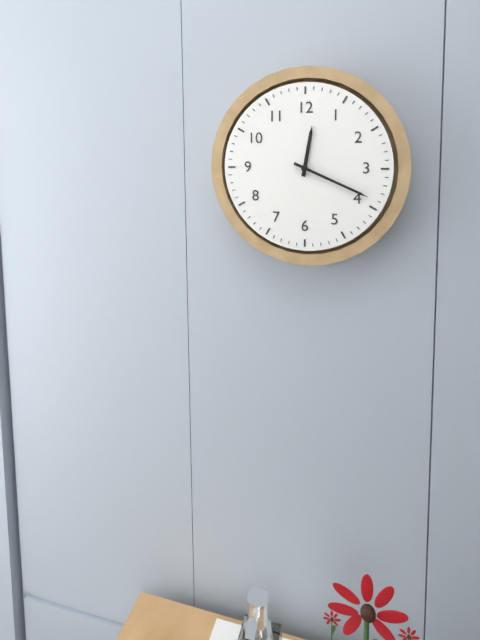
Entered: 12,19
